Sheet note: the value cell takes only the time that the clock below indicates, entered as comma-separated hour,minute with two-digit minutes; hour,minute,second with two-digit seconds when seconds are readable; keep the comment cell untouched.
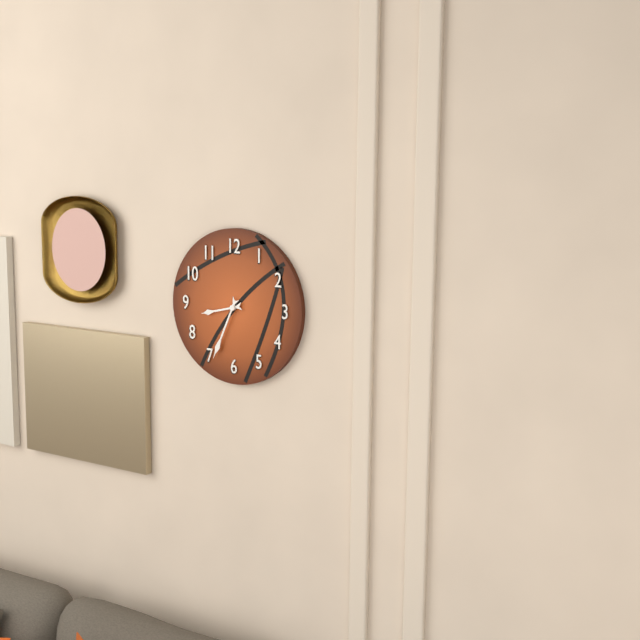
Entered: 8,34
